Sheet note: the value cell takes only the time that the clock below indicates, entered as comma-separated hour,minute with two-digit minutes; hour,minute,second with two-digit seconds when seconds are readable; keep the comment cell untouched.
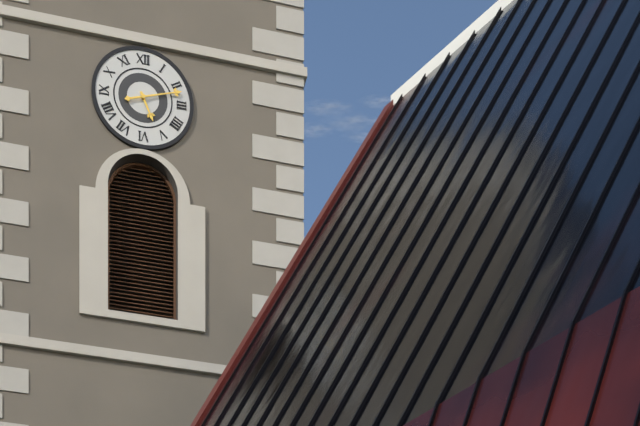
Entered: 5,12
